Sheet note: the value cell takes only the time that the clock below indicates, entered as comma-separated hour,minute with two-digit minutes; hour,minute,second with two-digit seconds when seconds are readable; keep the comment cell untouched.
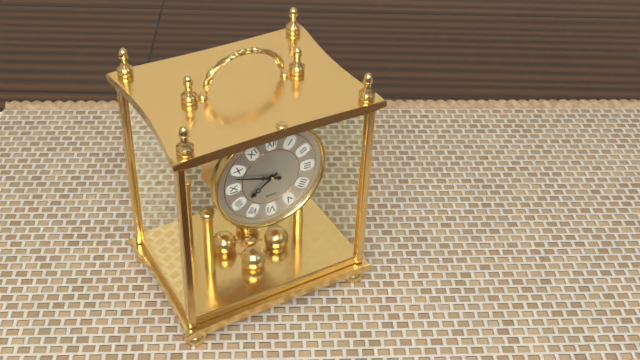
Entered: 7,48
